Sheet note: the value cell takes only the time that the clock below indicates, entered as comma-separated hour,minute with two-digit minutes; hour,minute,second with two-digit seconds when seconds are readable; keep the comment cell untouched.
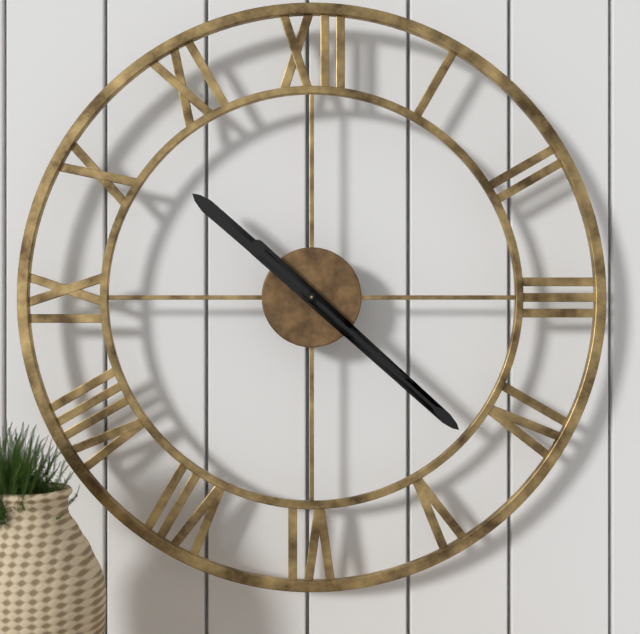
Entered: 10,22
